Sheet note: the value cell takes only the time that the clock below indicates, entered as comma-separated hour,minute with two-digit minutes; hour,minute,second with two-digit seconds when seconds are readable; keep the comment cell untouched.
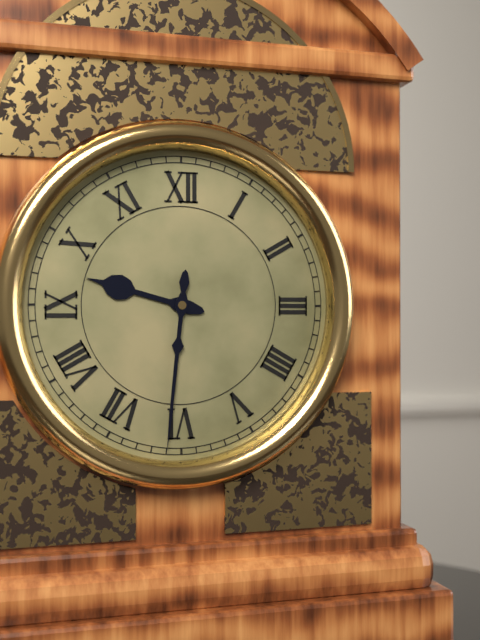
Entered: 9,31
